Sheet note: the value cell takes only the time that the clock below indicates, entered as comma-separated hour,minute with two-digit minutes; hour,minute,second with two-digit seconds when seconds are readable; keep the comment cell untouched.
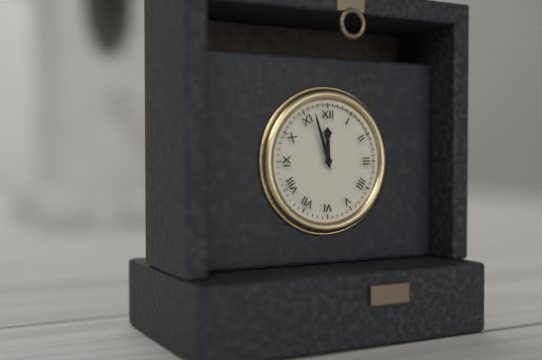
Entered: 11,57
